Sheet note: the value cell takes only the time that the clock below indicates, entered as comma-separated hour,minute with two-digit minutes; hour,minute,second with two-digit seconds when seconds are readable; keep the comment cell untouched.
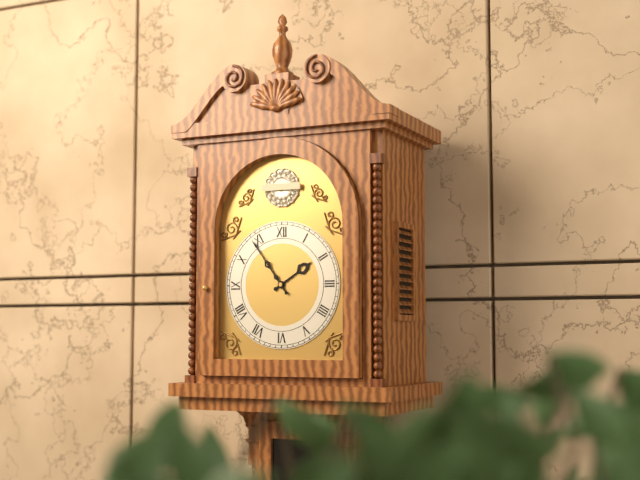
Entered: 1,54
